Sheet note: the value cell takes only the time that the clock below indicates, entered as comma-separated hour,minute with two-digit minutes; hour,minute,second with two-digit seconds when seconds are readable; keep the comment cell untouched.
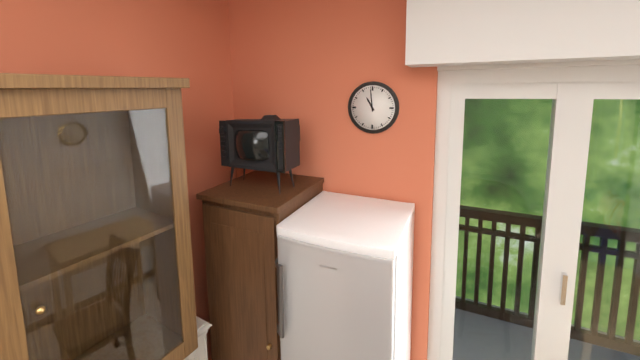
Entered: 10,59
